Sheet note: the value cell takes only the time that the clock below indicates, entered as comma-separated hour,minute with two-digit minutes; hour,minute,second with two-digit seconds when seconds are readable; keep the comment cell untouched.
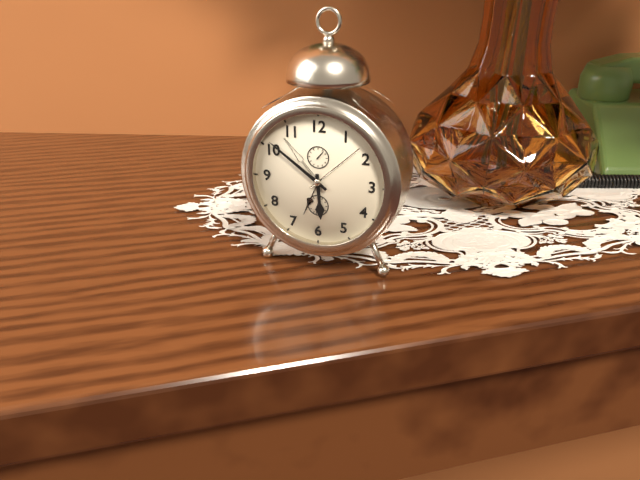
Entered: 5,51
